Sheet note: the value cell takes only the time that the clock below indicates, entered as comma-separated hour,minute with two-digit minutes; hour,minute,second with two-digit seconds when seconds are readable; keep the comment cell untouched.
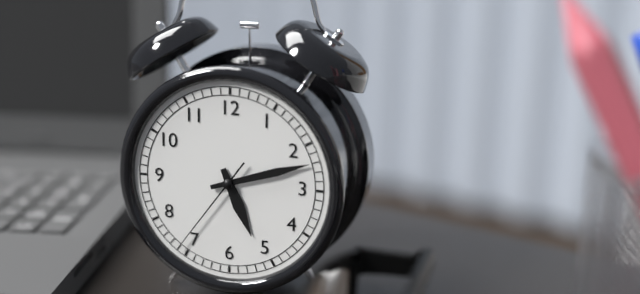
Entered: 5,12,36
